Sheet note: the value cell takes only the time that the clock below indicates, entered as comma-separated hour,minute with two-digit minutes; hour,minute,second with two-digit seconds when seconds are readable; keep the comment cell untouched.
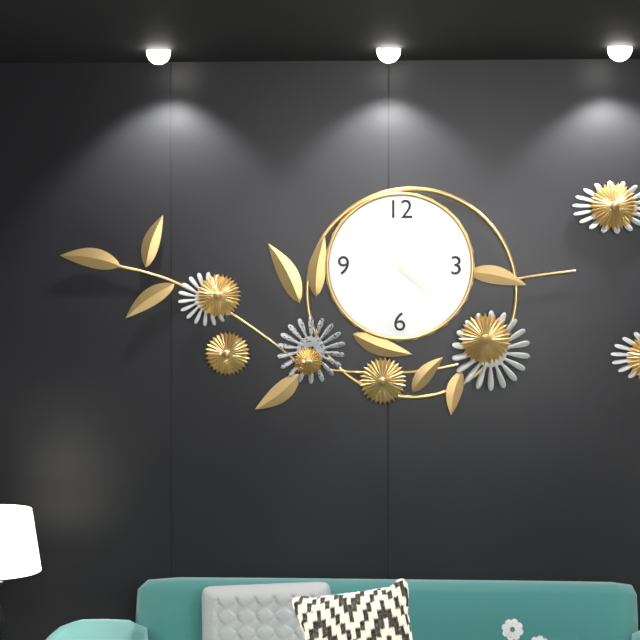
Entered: 4,22
